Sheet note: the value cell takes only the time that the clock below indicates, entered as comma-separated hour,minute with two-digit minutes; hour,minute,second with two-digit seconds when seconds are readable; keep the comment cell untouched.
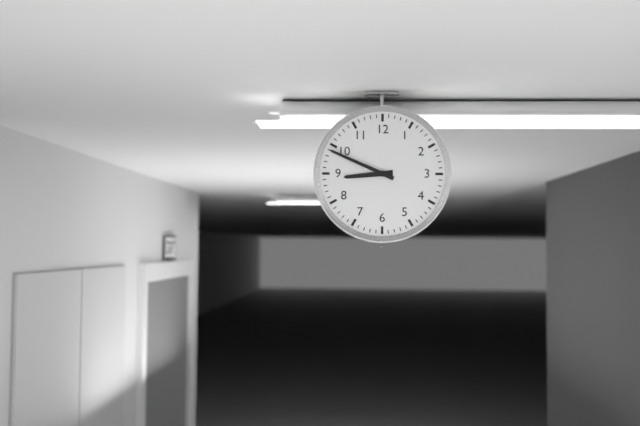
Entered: 8,49
